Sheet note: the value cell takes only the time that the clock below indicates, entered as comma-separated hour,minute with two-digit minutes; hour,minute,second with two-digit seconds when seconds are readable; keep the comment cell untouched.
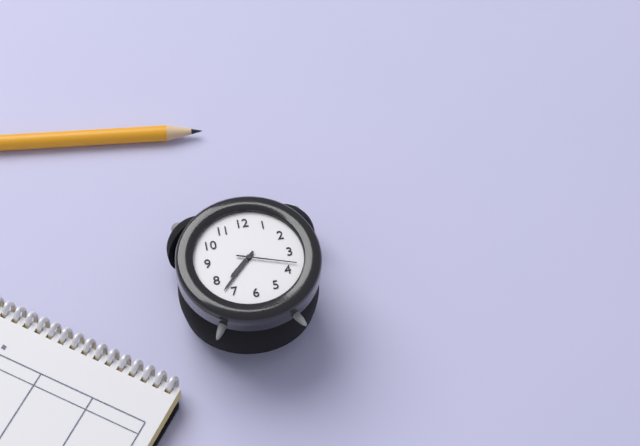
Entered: 7,37,18
